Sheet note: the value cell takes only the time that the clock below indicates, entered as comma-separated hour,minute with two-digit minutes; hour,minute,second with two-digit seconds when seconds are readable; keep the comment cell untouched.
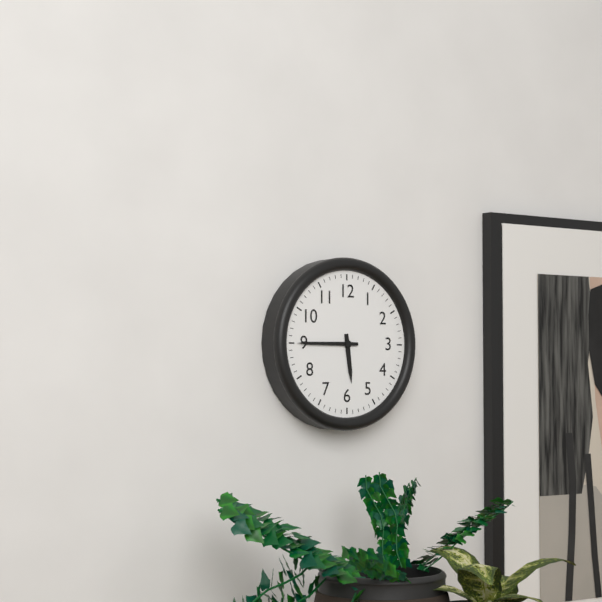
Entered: 5,45
